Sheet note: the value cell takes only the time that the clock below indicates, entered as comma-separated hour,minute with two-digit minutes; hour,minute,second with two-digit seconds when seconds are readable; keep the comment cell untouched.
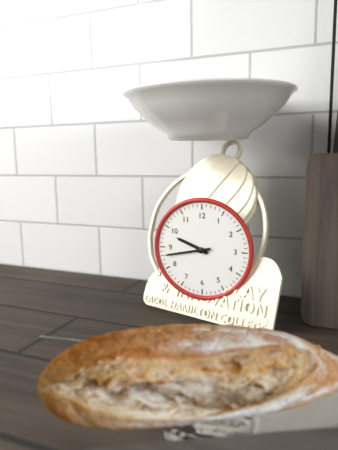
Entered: 9,43
